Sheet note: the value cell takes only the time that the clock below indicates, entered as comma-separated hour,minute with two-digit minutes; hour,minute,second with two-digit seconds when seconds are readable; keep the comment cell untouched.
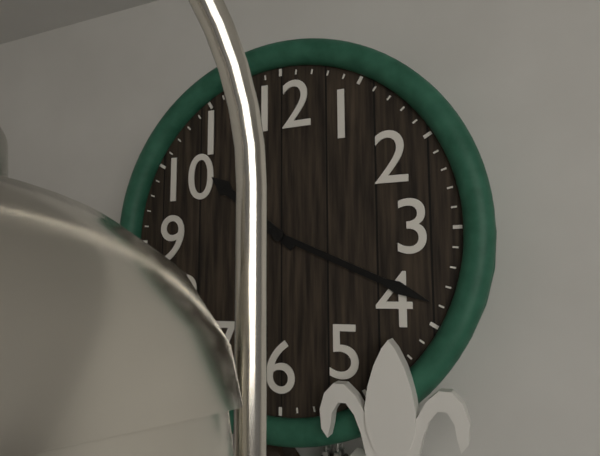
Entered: 10,19
